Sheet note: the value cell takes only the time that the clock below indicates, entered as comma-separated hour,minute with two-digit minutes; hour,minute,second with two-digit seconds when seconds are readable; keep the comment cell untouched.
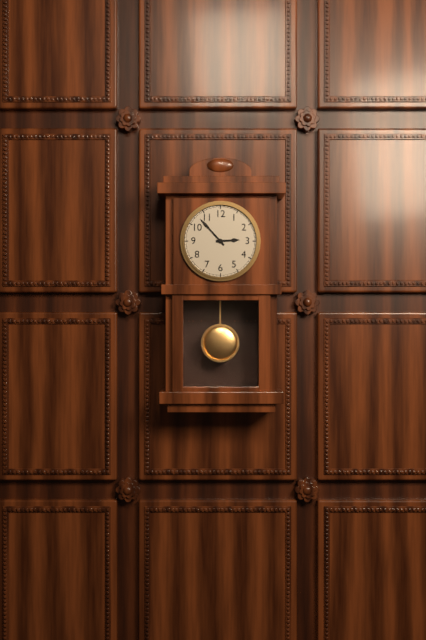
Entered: 2,53
